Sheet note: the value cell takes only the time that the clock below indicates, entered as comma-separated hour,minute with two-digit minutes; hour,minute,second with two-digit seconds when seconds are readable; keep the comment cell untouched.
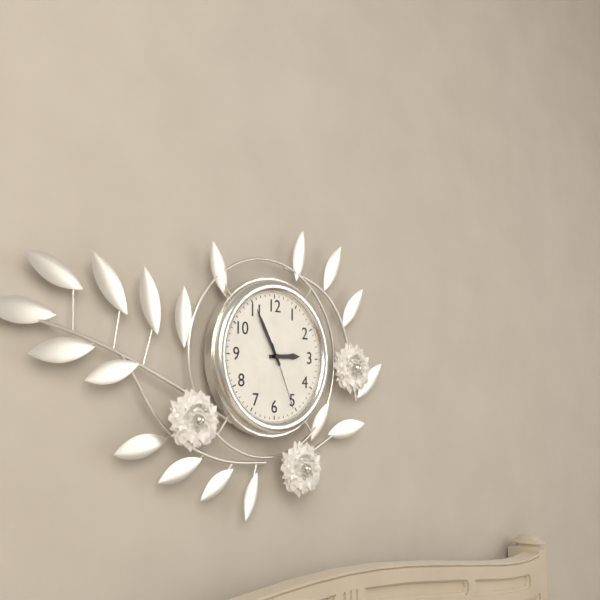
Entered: 2,55,26
